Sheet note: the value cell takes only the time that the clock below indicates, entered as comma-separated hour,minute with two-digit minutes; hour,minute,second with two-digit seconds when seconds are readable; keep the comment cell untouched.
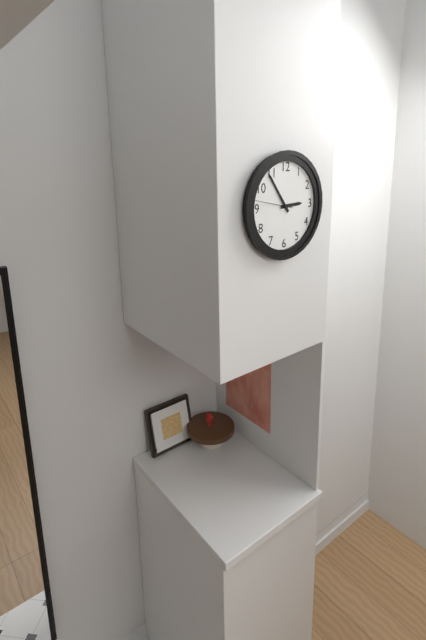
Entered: 2,54
